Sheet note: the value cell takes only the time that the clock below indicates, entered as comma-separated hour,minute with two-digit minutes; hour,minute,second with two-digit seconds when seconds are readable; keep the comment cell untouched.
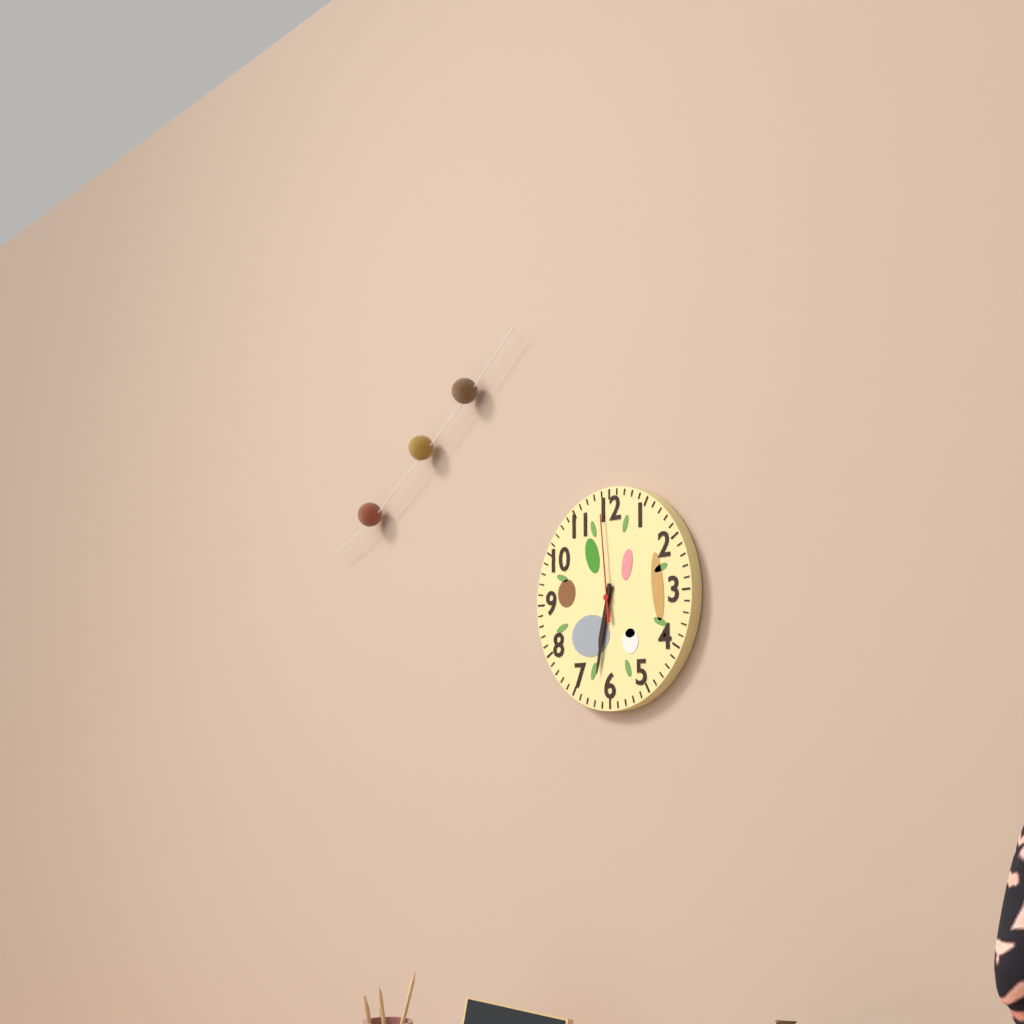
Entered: 6,32,59
